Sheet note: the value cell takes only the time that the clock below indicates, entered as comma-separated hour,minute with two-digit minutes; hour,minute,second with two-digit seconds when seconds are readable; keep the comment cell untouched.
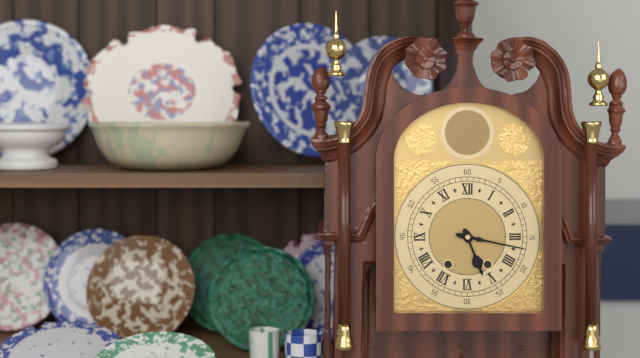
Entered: 5,17
